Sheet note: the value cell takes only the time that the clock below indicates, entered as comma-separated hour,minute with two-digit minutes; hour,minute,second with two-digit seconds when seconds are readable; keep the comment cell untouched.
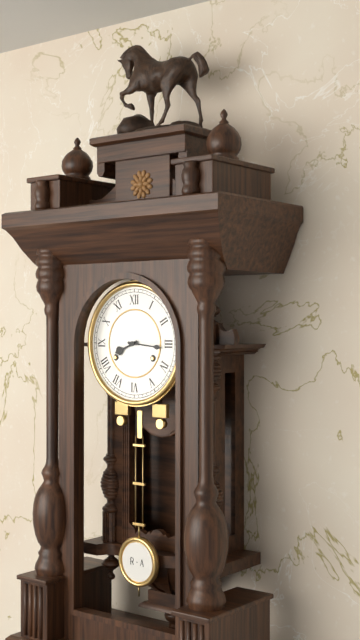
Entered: 8,16
